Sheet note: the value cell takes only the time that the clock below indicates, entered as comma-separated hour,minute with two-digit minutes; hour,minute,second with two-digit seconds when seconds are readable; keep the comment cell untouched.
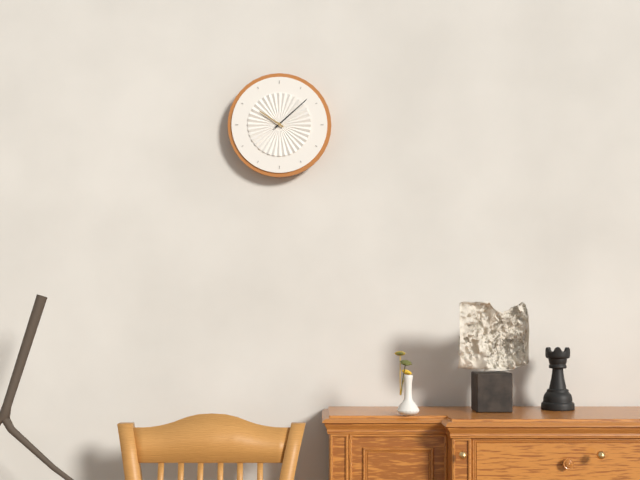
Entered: 10,08
